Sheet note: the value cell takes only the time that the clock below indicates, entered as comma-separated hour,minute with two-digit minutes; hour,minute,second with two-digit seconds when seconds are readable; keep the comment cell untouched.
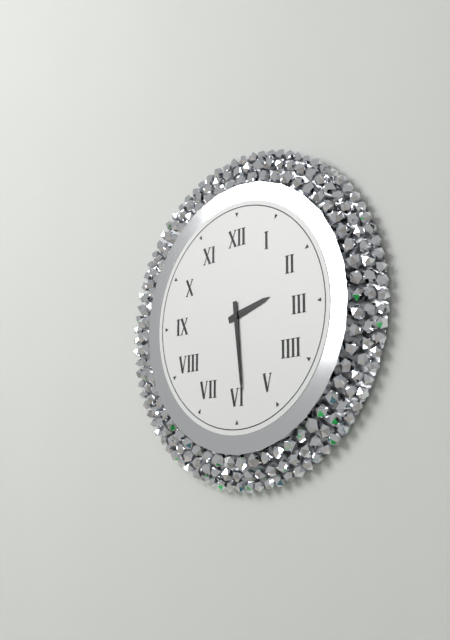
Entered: 2,29
